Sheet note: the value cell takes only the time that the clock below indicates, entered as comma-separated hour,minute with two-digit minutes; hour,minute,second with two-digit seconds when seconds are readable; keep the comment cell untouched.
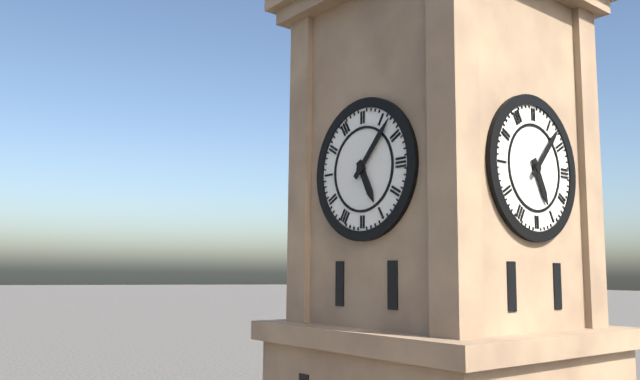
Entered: 5,07
